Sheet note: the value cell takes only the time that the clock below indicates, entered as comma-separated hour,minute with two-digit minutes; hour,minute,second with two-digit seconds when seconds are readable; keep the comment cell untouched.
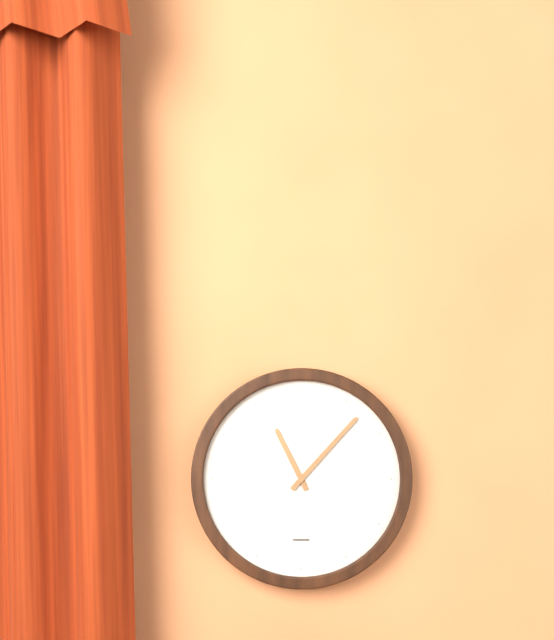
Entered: 11,07
